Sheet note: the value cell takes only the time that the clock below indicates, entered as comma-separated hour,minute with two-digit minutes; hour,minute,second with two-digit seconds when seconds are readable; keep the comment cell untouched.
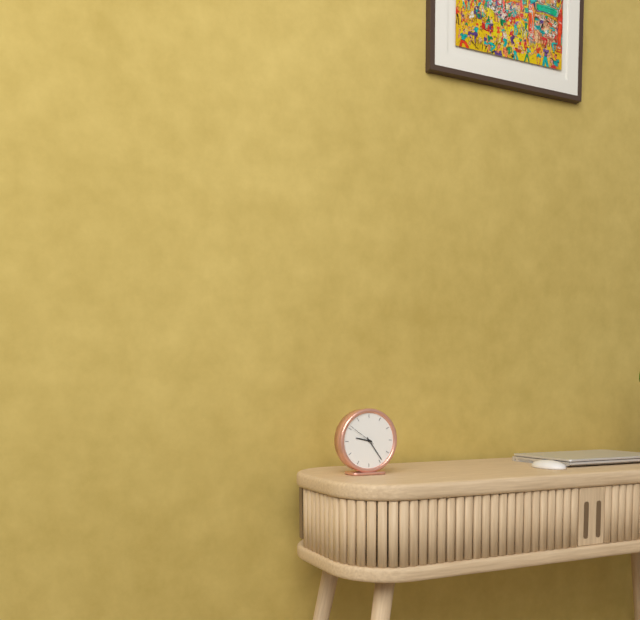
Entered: 9,24
